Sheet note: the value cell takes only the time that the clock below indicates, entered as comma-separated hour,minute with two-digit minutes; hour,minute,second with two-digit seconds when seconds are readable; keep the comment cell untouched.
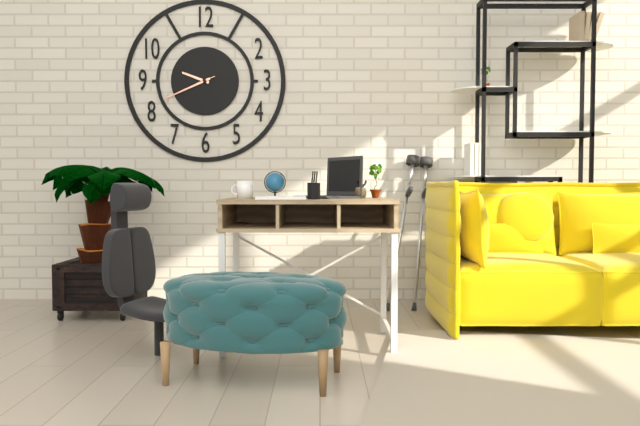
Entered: 9,41,41
